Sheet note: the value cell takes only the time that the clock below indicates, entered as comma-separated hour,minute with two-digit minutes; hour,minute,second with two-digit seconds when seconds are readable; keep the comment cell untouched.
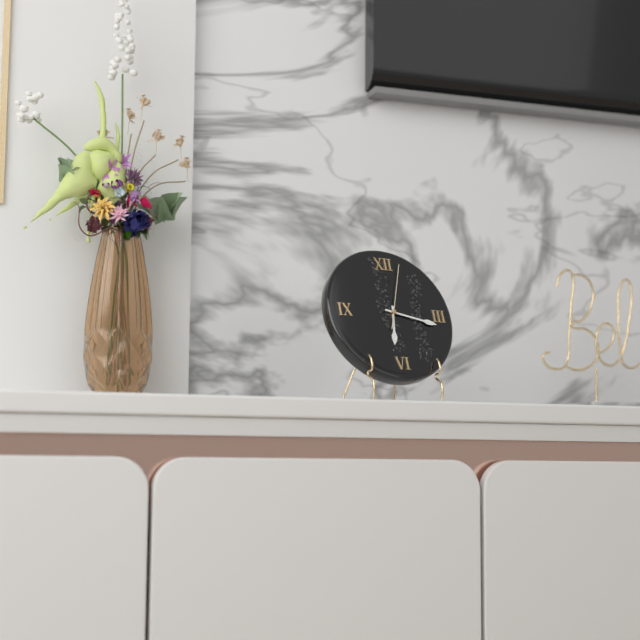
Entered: 6,17,03
